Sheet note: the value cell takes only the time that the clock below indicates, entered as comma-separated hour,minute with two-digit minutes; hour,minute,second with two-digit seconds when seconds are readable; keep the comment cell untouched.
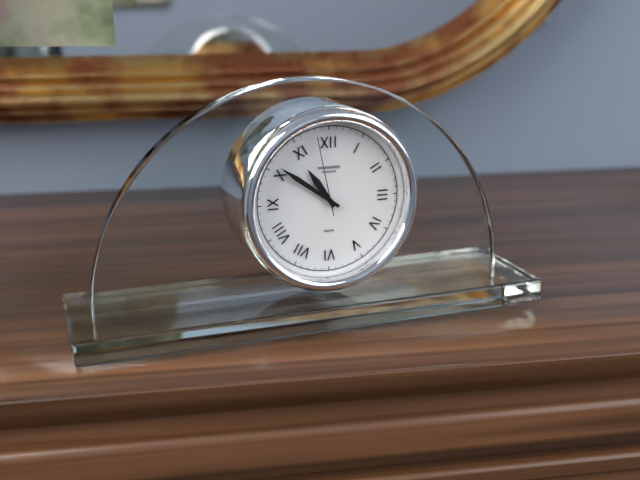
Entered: 10,51,58
